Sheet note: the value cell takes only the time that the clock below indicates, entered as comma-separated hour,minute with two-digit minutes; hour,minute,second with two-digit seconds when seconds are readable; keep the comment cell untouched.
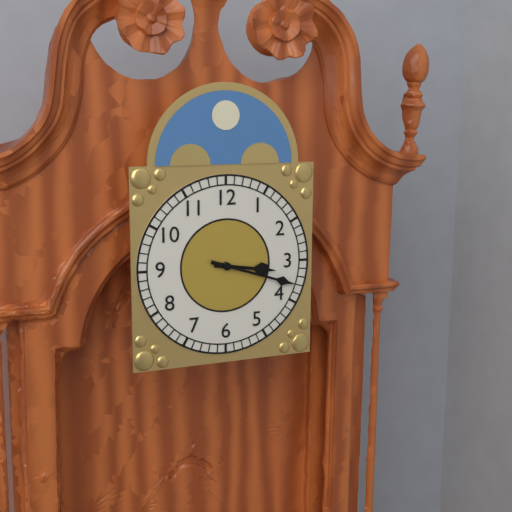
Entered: 3,18
